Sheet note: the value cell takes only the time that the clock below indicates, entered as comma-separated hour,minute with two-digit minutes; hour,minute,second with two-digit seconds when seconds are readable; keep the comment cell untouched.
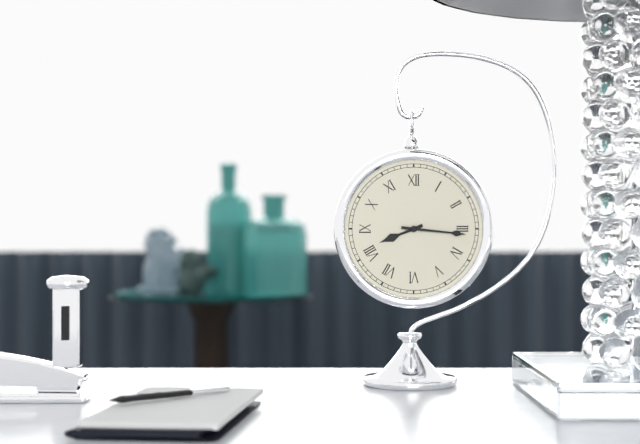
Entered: 8,16
